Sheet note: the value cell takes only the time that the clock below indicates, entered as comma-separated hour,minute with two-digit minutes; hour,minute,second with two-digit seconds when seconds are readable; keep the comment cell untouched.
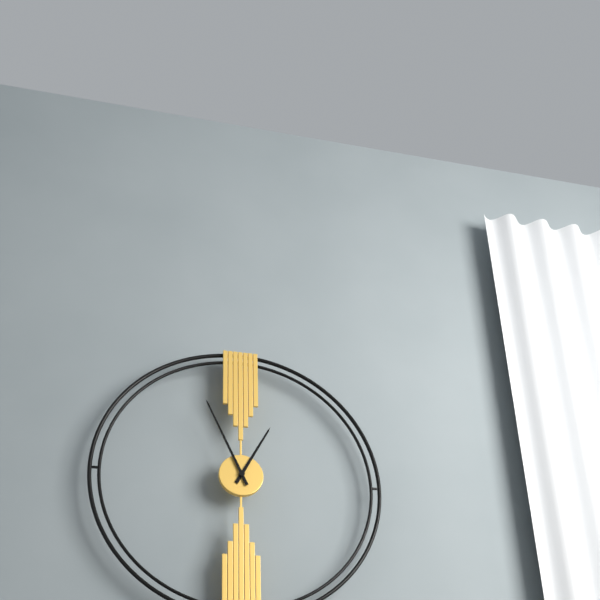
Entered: 12,56
